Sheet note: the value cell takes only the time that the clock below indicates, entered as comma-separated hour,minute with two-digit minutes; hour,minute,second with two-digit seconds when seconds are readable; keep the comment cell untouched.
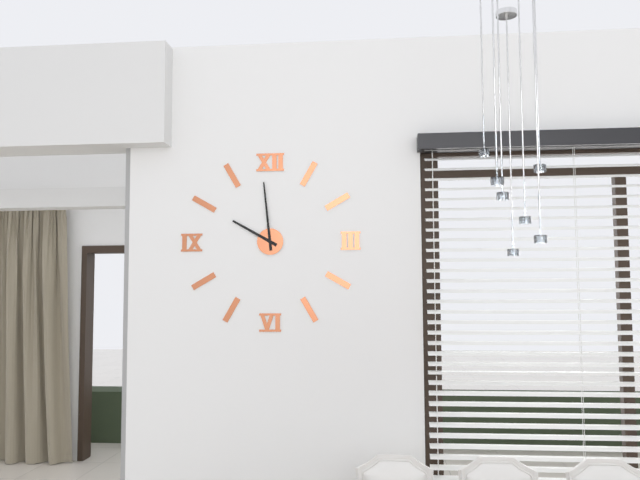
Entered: 9,59
